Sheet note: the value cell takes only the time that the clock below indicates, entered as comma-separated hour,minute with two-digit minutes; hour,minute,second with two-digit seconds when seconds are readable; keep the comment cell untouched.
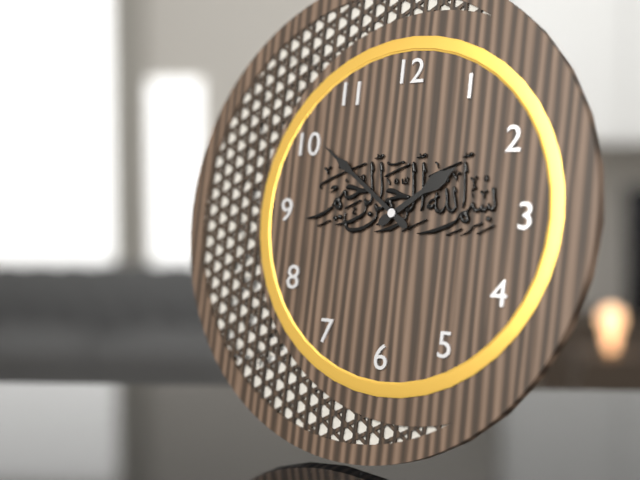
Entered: 1,51
